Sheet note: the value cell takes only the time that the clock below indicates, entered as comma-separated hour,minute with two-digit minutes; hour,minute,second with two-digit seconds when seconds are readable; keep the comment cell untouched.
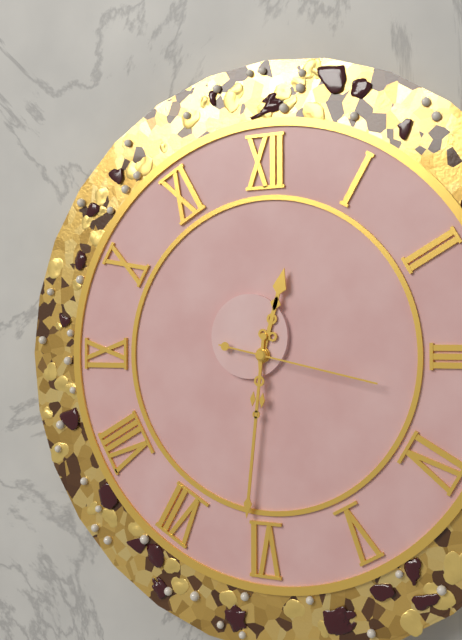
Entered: 12,31,17
